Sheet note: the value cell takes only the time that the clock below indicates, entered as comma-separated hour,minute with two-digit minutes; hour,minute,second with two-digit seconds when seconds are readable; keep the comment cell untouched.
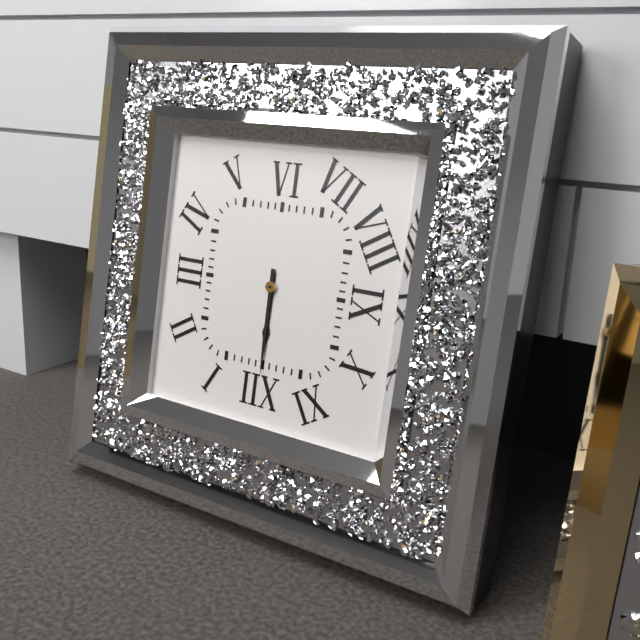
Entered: 12,00
